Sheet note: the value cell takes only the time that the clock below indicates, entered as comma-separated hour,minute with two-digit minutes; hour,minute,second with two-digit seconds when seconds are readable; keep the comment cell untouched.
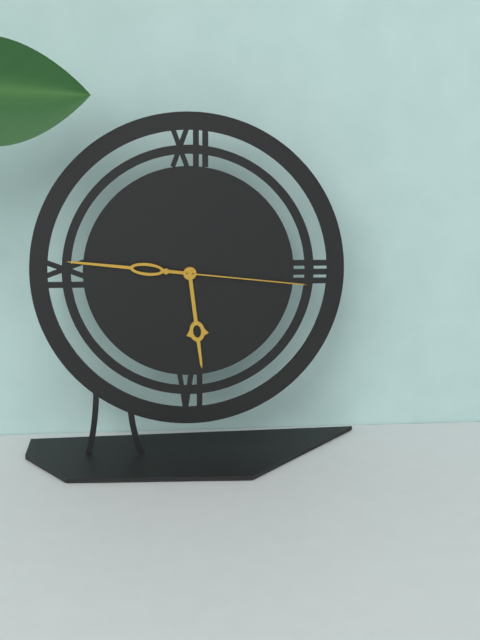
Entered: 5,46,16
